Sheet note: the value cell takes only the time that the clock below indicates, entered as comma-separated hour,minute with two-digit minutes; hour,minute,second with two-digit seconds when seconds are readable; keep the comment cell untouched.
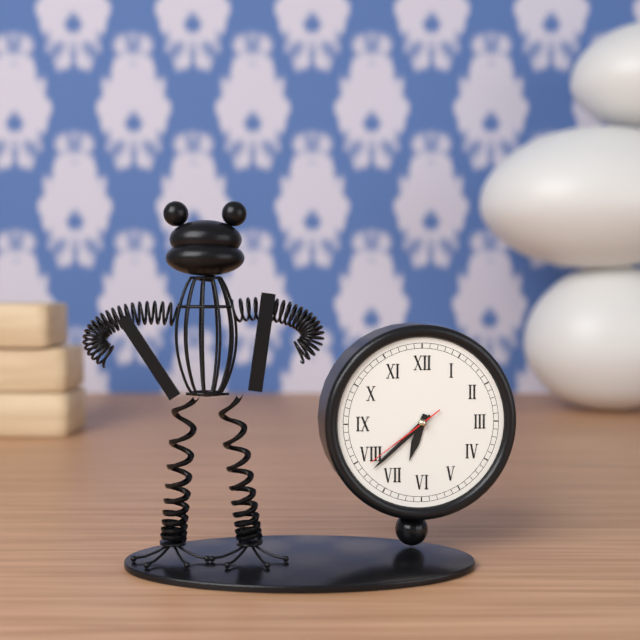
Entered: 6,38,39
